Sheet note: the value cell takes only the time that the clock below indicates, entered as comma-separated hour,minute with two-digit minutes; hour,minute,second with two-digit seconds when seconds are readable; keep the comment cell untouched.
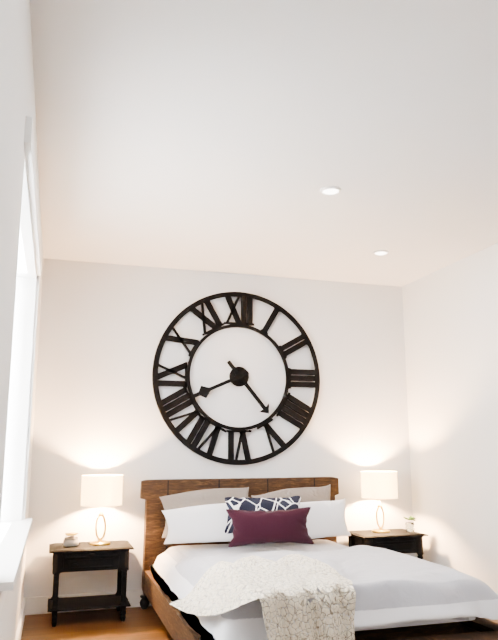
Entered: 4,41
